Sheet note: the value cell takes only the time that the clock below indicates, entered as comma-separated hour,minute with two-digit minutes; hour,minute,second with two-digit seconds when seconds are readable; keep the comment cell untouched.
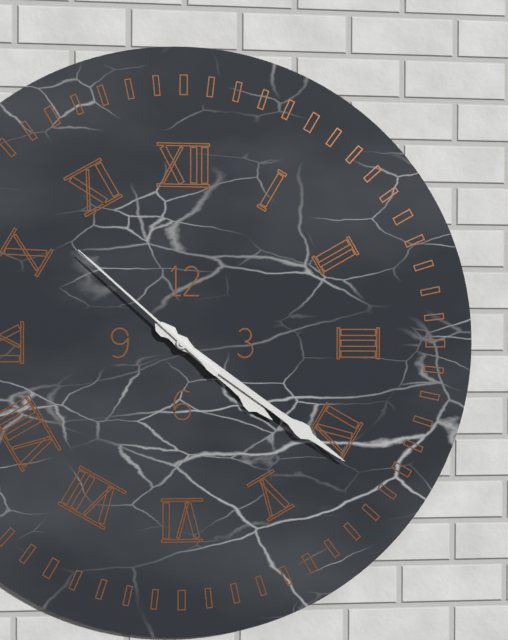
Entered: 4,21,52
